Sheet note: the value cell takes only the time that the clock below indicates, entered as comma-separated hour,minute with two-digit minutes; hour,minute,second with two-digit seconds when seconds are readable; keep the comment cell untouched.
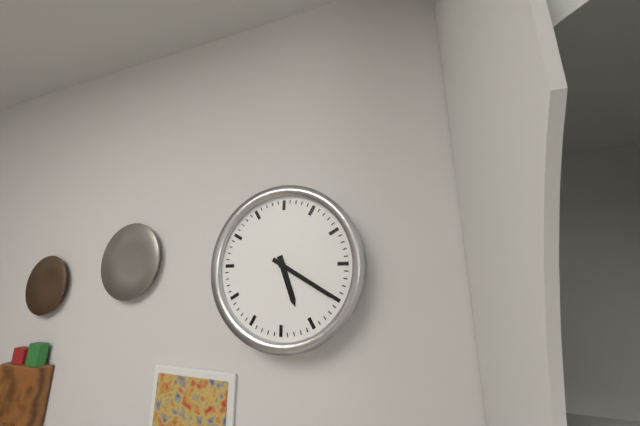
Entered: 5,20
